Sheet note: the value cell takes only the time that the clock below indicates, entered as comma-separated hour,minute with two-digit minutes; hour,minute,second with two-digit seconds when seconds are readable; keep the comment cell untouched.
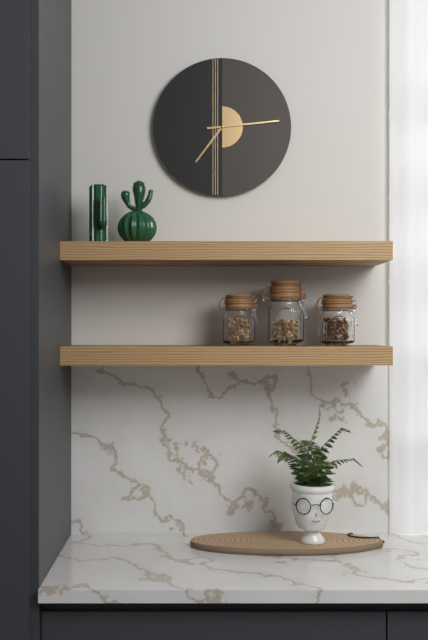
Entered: 7,14
